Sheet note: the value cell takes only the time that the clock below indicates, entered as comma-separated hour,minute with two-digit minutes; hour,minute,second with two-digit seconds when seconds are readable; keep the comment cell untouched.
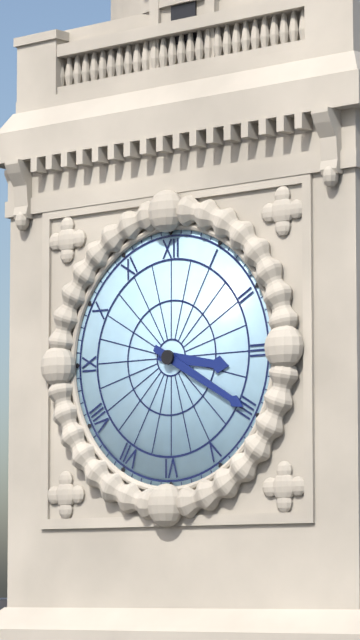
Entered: 3,20
